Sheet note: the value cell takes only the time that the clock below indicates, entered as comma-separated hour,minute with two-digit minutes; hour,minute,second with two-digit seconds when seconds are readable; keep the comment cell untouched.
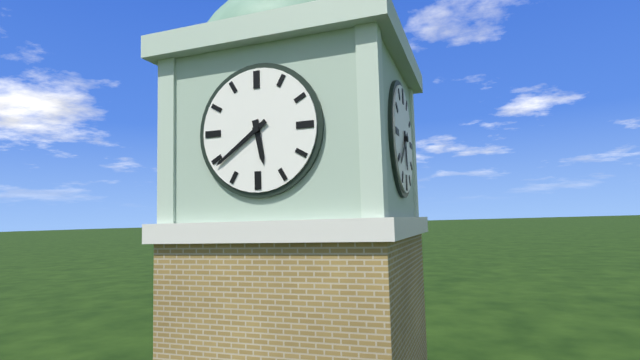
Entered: 5,39
